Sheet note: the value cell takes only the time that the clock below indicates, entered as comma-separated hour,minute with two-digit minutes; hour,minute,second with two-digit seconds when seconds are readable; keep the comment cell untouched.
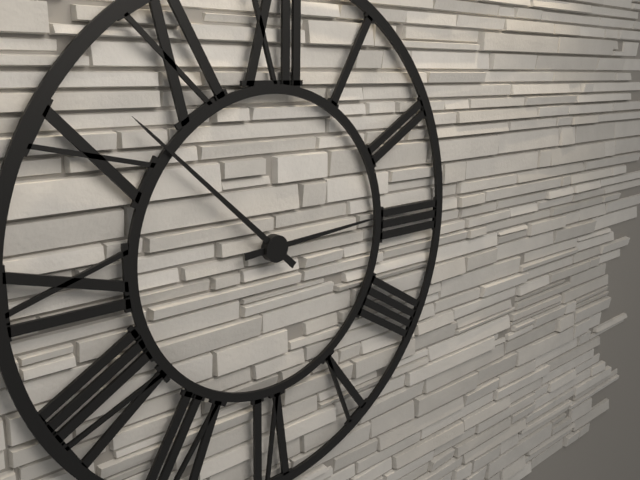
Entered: 2,52
